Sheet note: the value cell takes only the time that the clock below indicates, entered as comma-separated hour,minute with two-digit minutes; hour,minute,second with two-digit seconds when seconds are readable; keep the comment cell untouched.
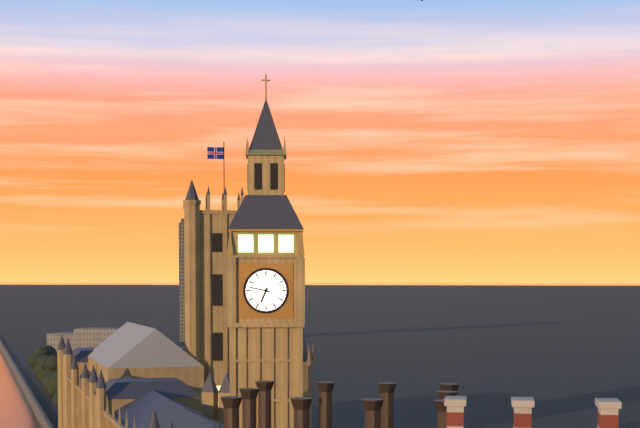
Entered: 6,47
